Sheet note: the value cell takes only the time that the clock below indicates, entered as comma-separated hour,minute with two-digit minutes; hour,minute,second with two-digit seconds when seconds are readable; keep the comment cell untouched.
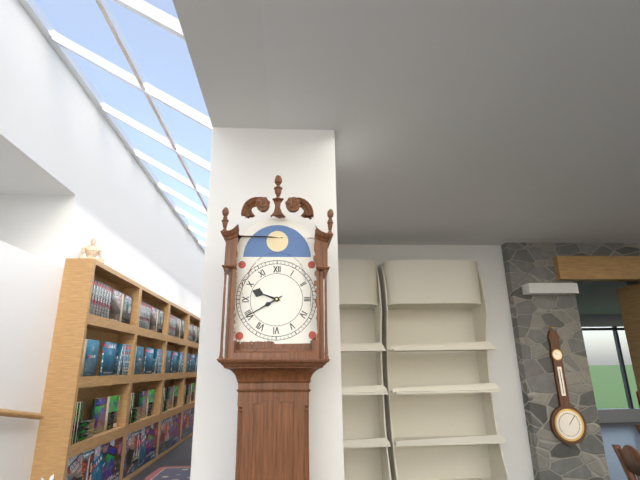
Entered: 9,40
